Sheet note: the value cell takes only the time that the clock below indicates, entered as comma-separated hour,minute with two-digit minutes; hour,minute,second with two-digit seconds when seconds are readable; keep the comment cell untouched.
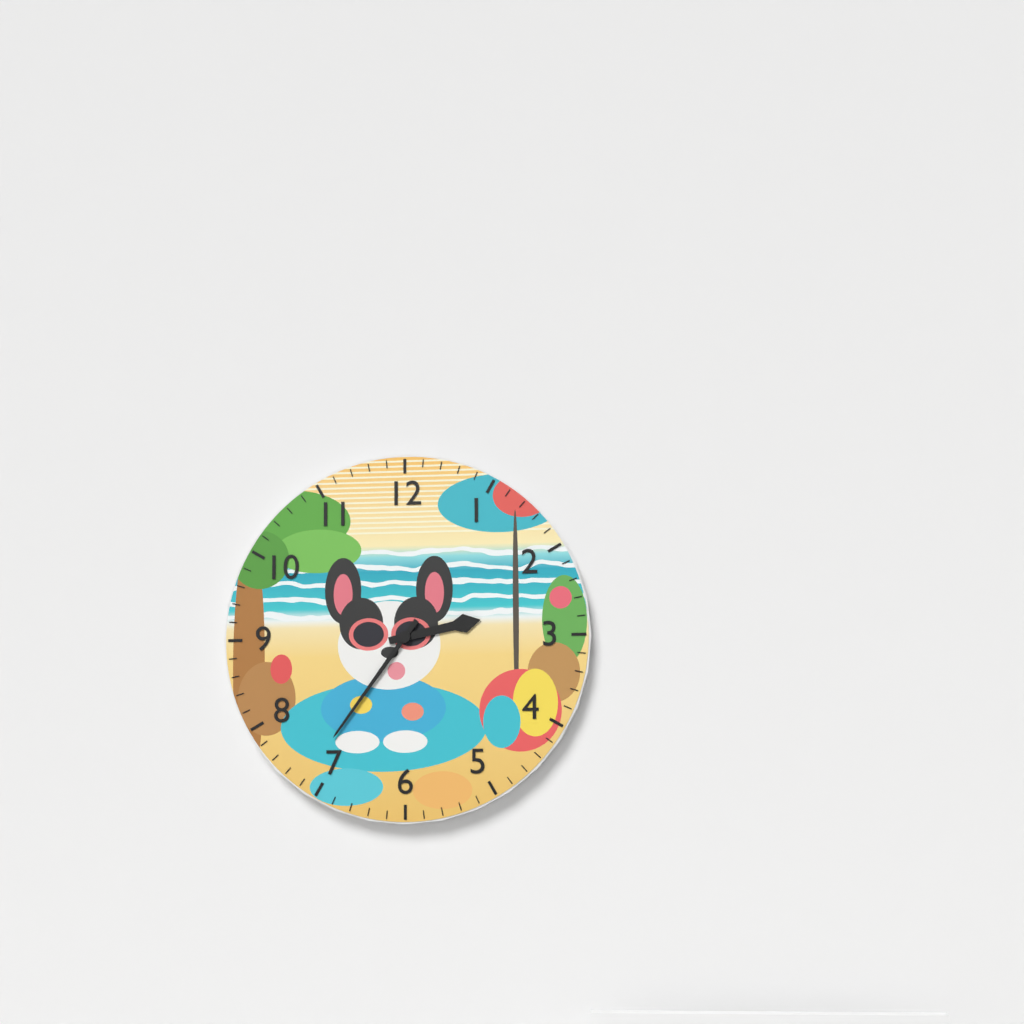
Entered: 2,36
